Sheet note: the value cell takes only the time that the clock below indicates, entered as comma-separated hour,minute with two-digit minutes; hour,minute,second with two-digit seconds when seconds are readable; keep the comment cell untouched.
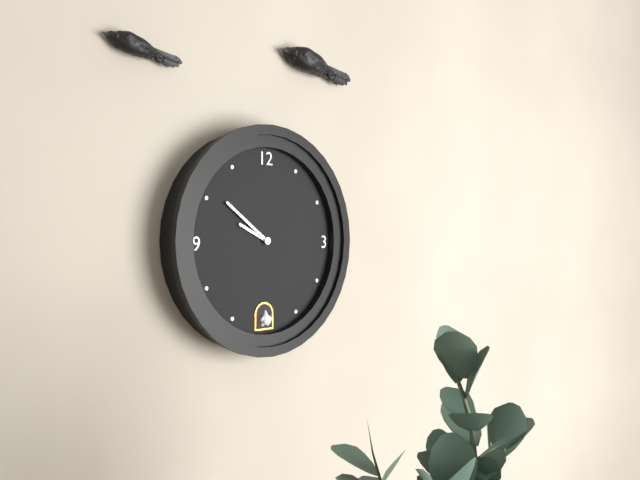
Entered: 9,51
